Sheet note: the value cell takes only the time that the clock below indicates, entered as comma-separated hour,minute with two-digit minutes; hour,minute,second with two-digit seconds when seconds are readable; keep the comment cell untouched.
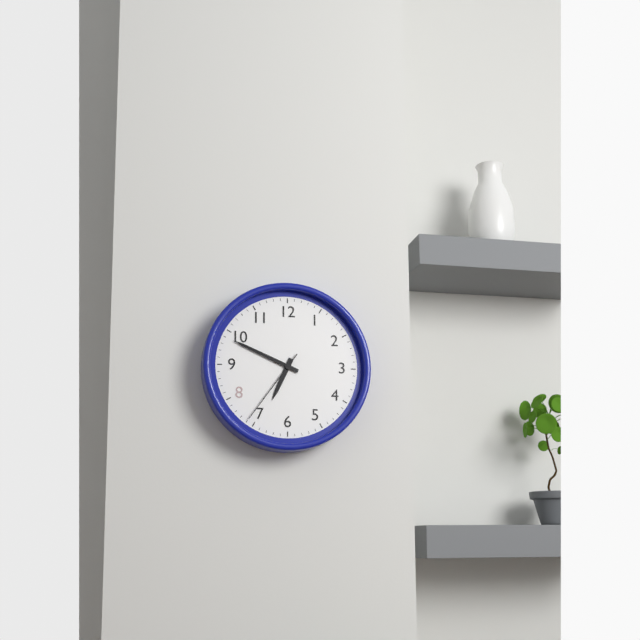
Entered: 6,49,36
